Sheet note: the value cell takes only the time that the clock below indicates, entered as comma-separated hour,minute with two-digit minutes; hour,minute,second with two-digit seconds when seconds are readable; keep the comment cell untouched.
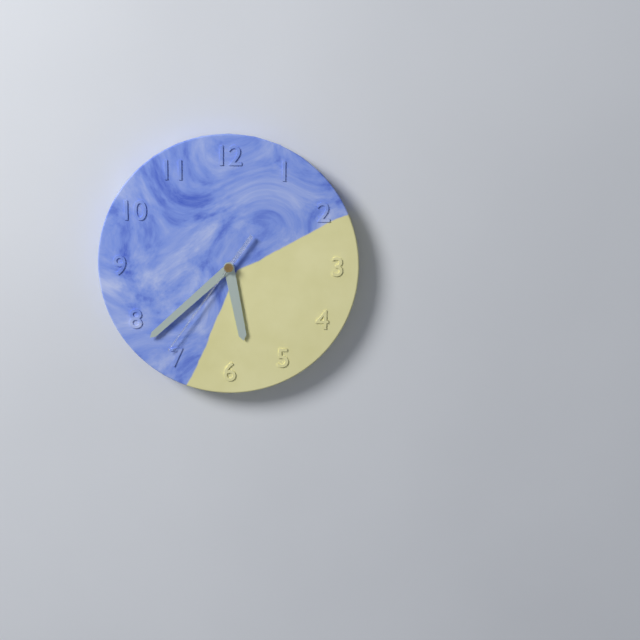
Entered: 5,38,36
